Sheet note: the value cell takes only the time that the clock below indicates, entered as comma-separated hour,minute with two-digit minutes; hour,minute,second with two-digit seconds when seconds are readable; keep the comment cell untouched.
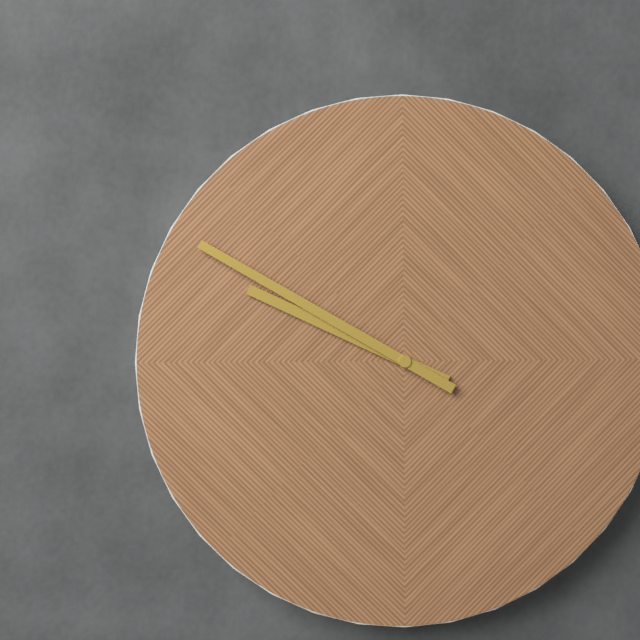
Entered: 9,50
